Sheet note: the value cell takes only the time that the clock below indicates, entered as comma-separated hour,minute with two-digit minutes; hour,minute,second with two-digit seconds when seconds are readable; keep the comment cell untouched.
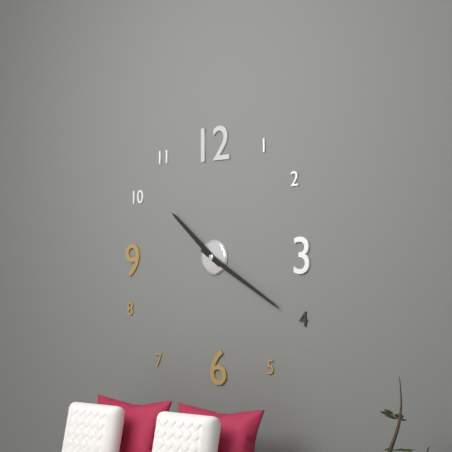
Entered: 10,20
